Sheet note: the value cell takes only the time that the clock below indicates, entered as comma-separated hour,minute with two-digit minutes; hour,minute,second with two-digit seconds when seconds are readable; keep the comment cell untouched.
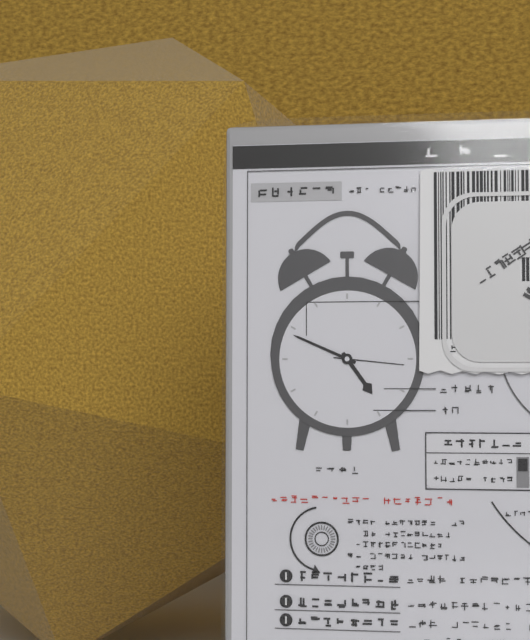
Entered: 4,49,16
